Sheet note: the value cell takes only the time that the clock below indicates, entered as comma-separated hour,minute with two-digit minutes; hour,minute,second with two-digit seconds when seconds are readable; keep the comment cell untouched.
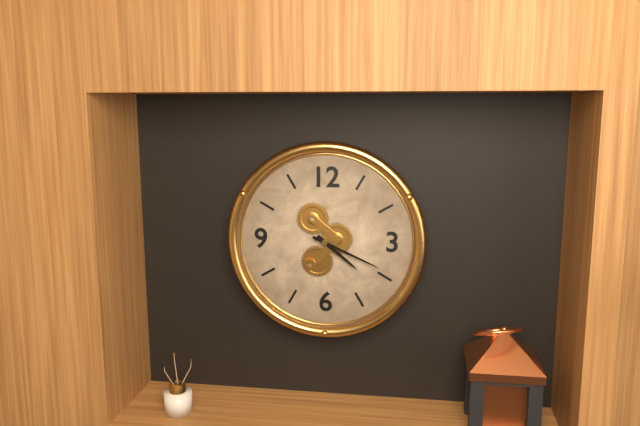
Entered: 4,19
